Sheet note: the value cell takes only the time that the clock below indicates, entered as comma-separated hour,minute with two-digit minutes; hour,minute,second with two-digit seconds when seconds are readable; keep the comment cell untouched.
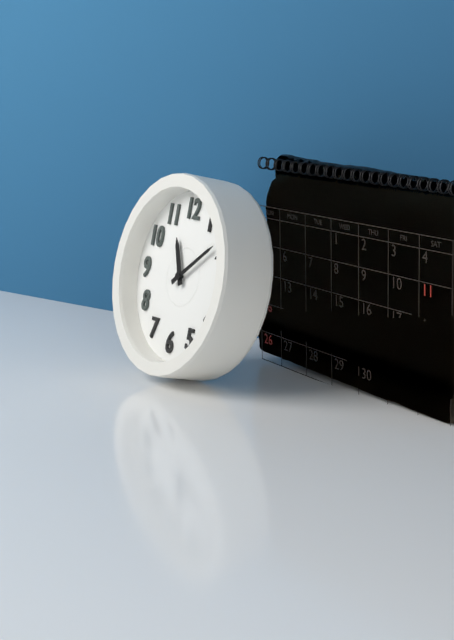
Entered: 11,09
